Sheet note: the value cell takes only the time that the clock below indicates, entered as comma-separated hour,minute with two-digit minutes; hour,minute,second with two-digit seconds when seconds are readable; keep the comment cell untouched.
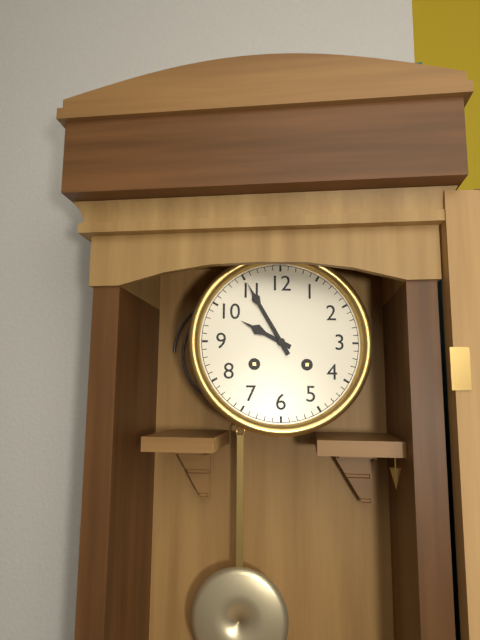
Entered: 9,55
